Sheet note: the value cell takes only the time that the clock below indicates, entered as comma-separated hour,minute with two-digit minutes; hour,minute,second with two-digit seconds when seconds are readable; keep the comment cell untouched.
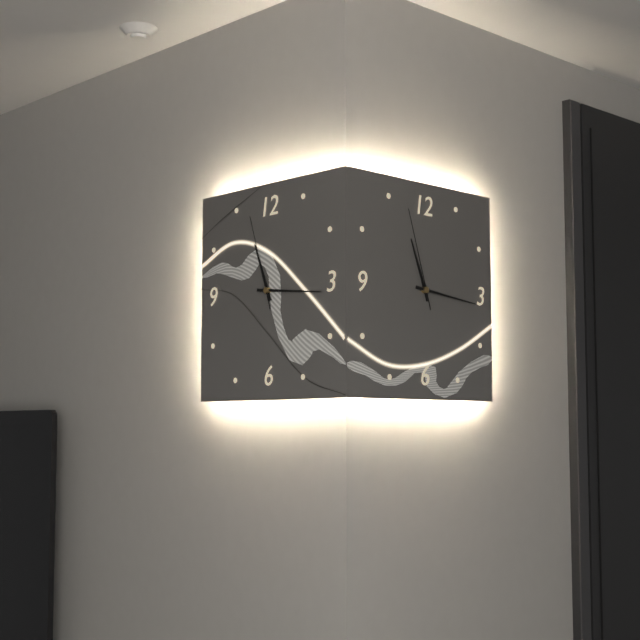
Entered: 11,16,57
